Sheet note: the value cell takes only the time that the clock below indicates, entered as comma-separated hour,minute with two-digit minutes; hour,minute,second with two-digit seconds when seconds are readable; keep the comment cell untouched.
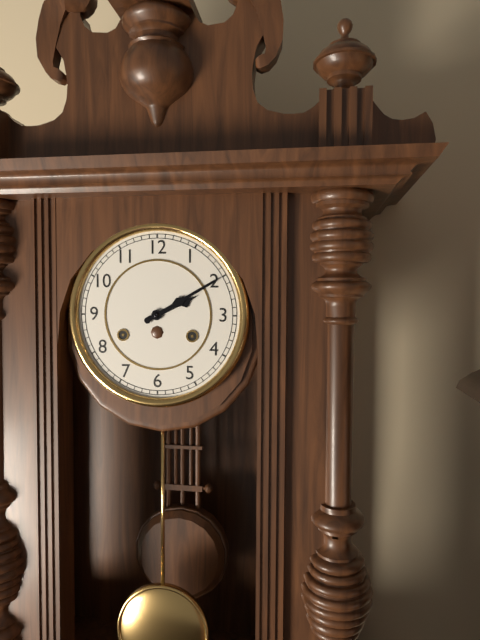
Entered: 2,10
